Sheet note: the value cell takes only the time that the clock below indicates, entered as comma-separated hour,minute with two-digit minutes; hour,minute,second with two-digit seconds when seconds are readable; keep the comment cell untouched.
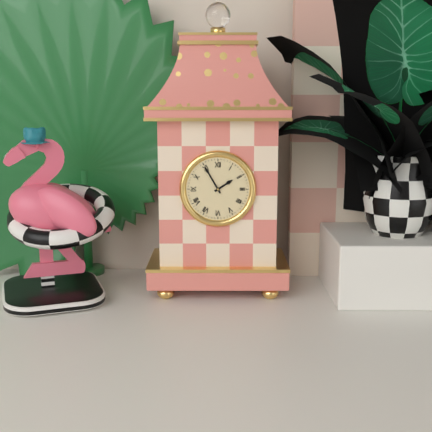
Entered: 1,55
